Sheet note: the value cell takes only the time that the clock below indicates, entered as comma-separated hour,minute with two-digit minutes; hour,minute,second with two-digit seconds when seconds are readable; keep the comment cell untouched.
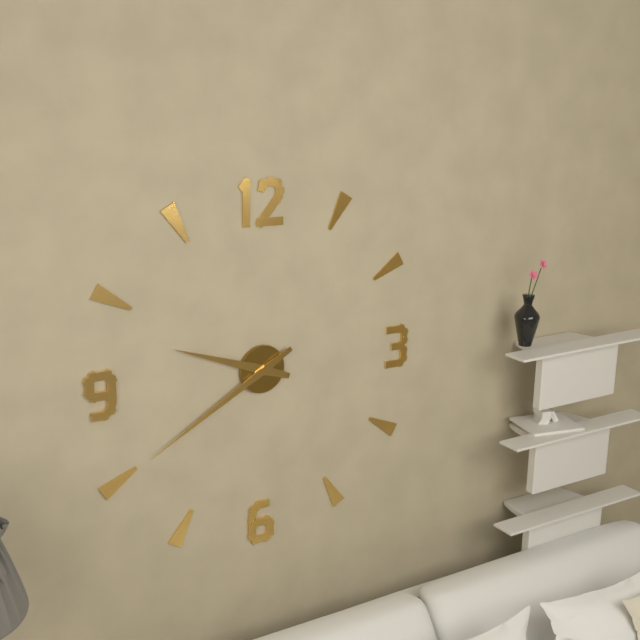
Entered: 9,40
